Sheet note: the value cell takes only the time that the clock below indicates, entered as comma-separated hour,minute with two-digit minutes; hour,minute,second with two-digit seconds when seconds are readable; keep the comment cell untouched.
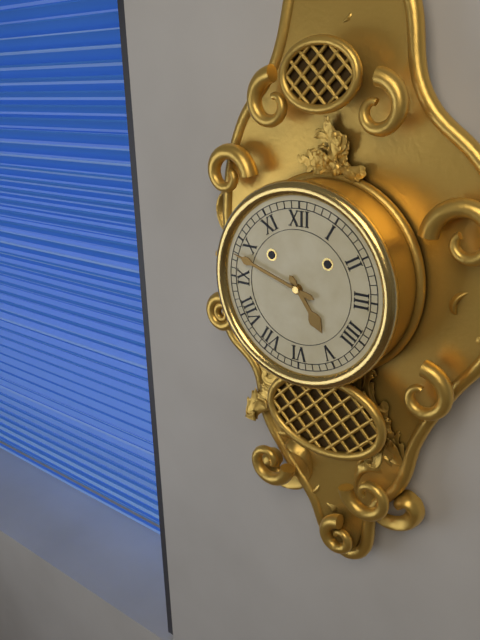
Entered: 4,48
